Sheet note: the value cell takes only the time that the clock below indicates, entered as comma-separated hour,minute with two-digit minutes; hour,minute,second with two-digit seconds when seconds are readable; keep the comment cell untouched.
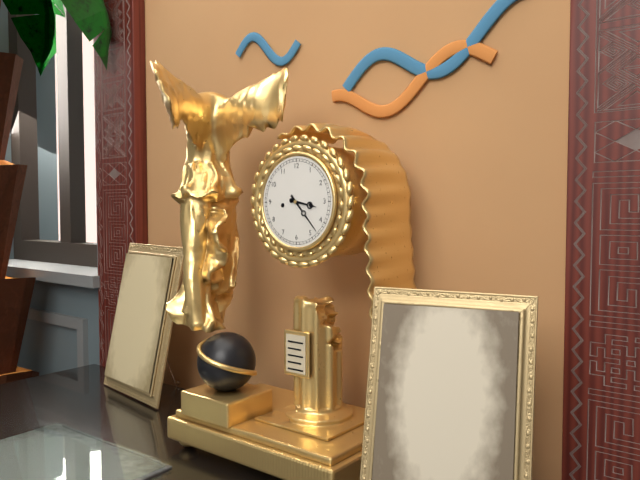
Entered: 3,23
